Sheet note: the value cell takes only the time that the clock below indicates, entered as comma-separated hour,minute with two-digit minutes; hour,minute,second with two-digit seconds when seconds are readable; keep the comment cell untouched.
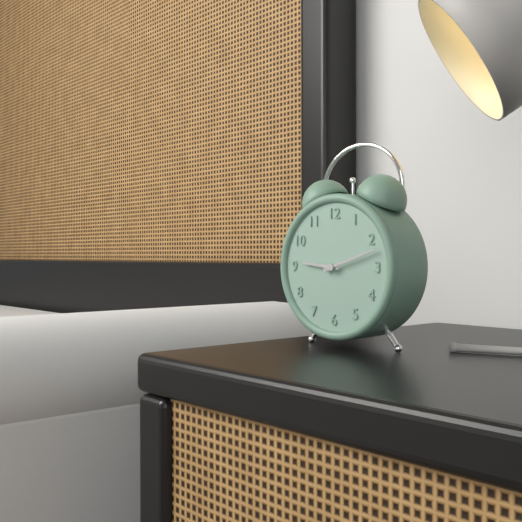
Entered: 9,12
